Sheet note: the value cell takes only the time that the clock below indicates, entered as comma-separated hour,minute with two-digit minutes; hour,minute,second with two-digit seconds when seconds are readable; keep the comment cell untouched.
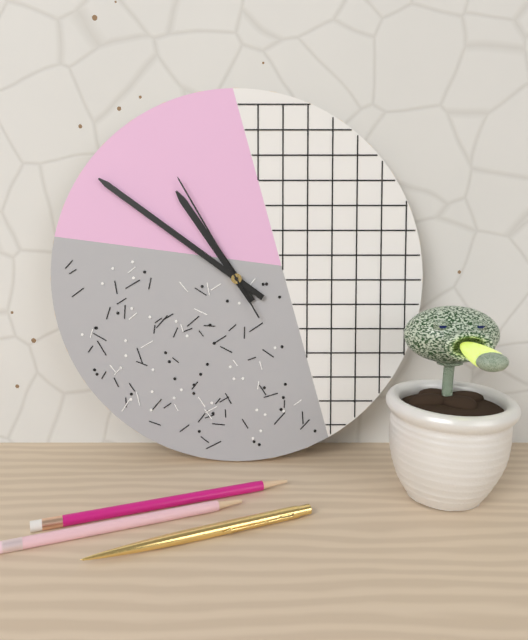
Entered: 10,51,55
